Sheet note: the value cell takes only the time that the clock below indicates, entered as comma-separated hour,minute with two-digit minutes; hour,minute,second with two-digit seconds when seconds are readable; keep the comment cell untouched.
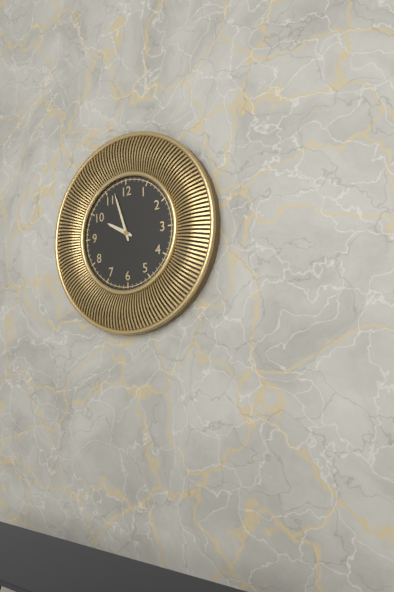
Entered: 9,57
